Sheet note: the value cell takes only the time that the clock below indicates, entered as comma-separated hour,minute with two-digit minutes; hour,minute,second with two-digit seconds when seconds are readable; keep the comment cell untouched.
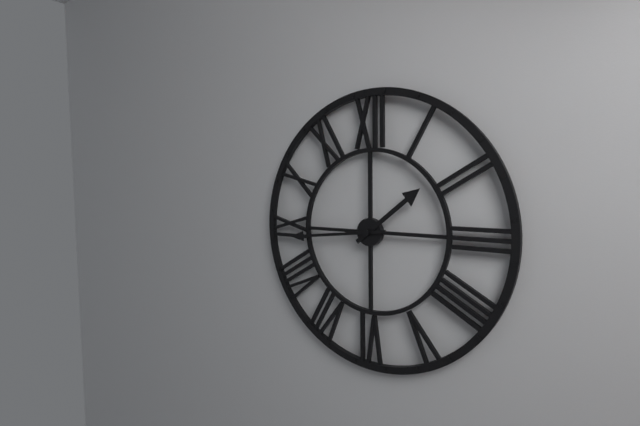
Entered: 1,44
